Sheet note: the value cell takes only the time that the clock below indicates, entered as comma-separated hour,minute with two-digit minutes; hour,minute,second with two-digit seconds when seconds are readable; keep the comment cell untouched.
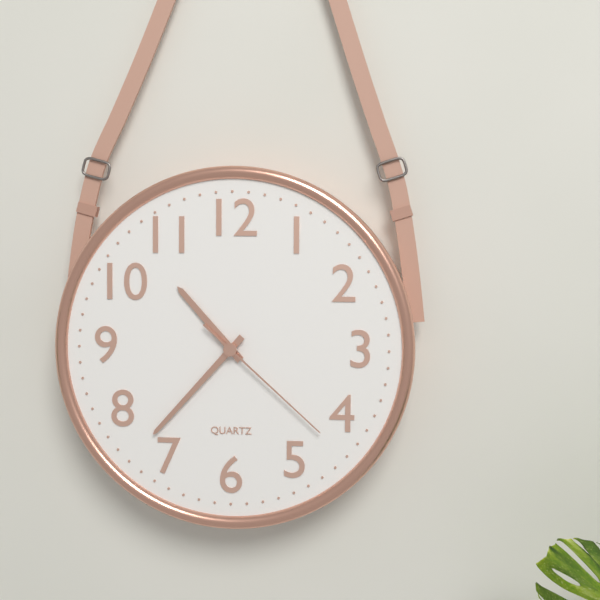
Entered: 10,37,22
